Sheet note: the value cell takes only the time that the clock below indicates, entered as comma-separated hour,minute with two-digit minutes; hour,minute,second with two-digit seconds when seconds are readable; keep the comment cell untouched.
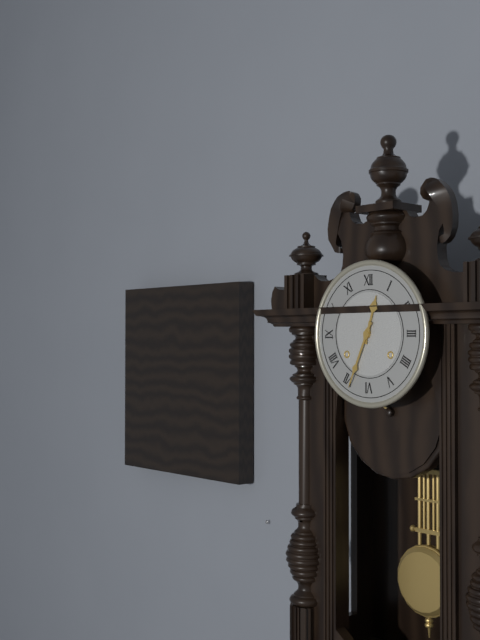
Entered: 12,34
